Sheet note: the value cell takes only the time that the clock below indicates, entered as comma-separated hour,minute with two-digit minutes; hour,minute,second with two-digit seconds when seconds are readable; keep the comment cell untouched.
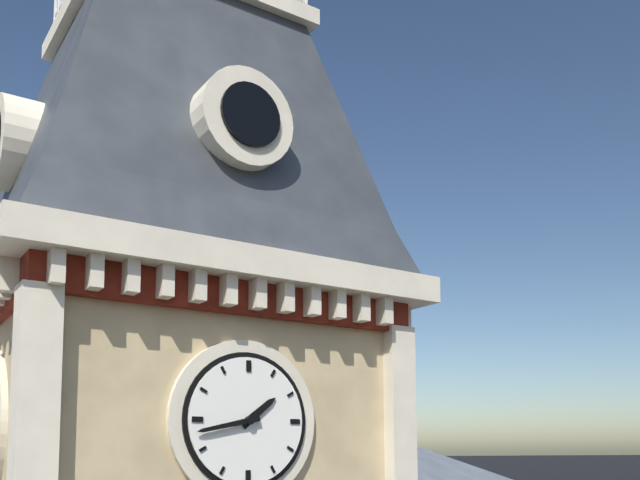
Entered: 1,43
